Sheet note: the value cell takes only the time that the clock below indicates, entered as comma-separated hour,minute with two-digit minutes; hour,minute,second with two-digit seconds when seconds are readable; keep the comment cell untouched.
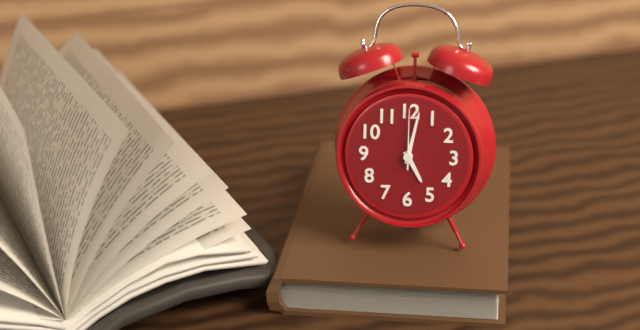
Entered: 5,02,00
